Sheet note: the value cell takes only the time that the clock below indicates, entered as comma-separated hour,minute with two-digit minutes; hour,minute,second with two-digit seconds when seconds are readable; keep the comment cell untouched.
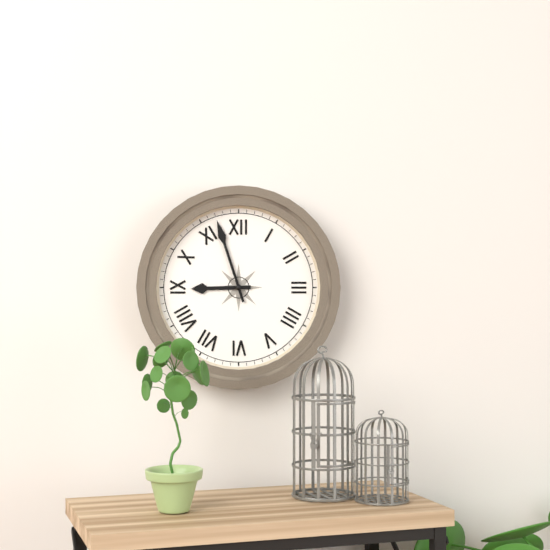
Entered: 8,57
